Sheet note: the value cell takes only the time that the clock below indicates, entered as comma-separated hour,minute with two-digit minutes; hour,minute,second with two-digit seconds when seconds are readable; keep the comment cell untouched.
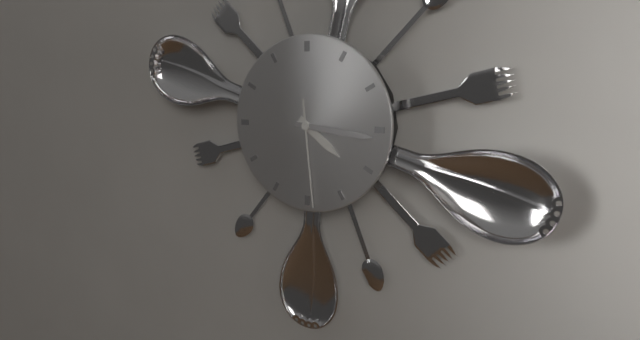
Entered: 4,16,29
